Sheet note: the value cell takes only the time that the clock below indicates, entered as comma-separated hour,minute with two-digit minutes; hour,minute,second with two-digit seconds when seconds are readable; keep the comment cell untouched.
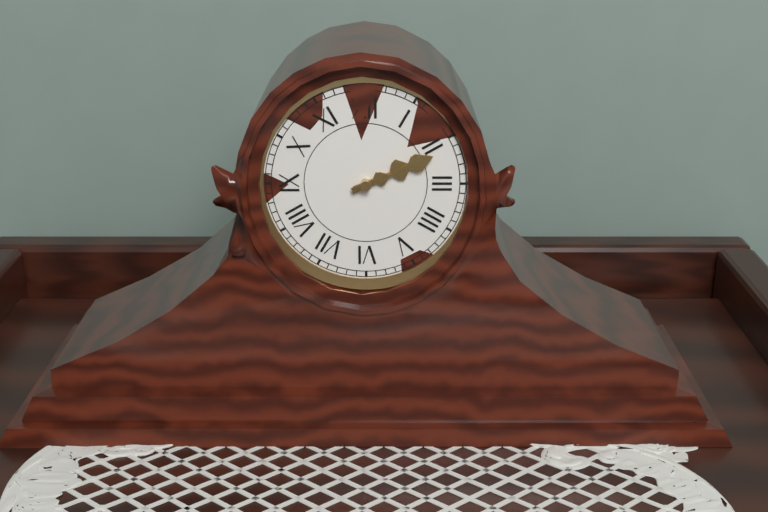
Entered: 2,11
